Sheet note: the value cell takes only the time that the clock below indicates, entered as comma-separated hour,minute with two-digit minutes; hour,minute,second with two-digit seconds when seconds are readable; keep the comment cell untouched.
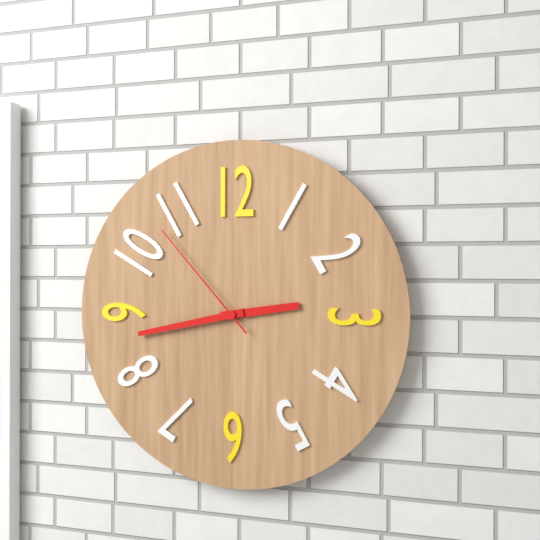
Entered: 2,43,53
